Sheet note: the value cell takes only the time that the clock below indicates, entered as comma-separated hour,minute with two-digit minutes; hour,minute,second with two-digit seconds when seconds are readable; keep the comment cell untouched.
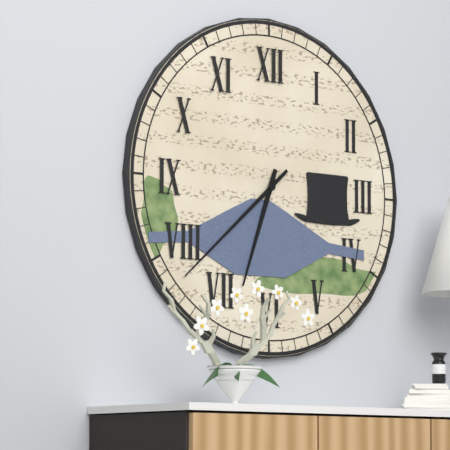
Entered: 6,38
